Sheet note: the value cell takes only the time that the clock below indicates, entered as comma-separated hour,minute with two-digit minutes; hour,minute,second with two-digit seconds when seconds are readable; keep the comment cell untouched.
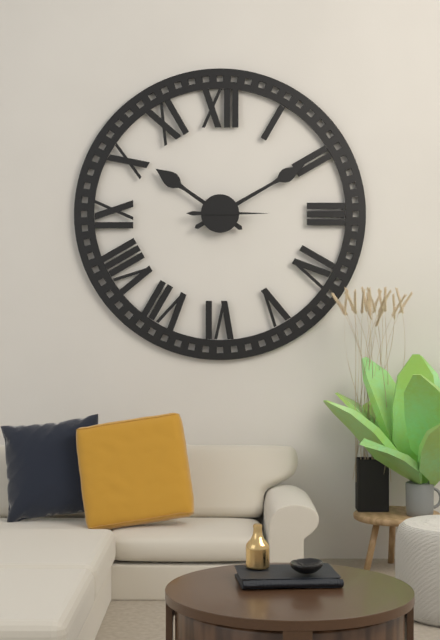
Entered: 10,10,15
